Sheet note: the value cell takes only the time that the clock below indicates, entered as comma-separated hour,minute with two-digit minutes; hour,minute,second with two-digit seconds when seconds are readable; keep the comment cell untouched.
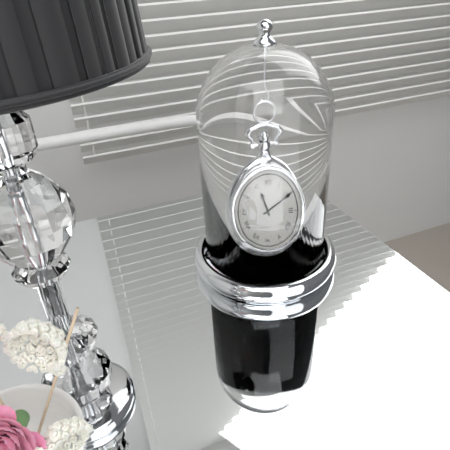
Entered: 11,10
